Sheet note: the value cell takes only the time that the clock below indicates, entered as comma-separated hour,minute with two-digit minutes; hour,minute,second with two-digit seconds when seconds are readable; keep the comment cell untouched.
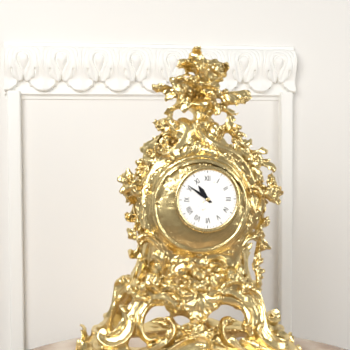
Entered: 10,51
